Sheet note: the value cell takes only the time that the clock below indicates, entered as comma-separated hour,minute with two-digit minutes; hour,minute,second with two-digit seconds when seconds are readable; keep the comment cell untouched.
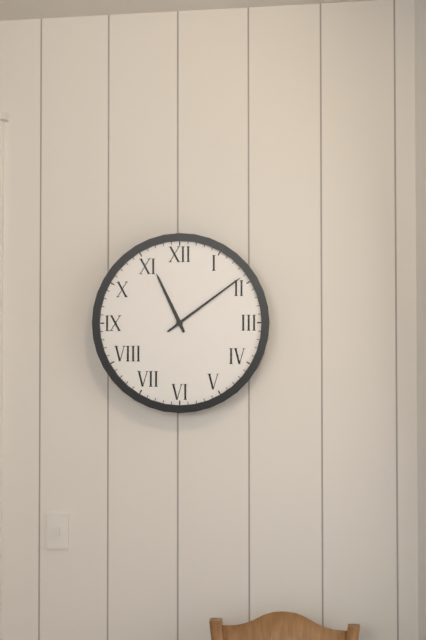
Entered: 11,09
